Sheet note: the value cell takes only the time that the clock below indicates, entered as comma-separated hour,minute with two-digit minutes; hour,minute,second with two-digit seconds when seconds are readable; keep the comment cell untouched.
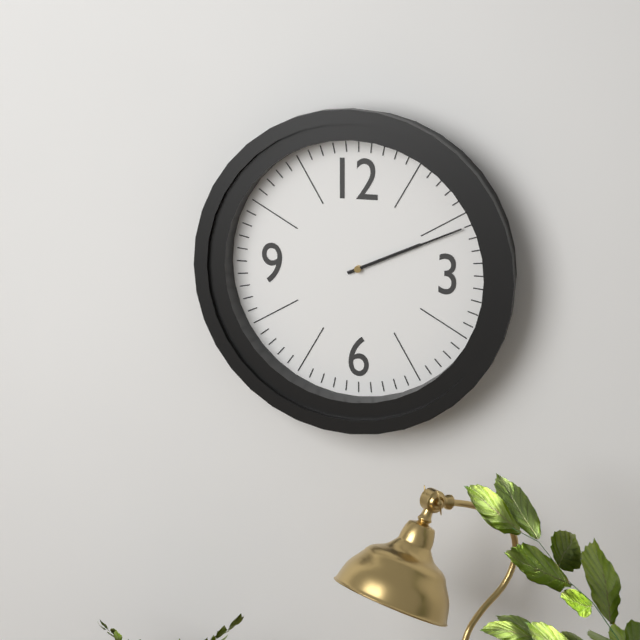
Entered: 2,11
